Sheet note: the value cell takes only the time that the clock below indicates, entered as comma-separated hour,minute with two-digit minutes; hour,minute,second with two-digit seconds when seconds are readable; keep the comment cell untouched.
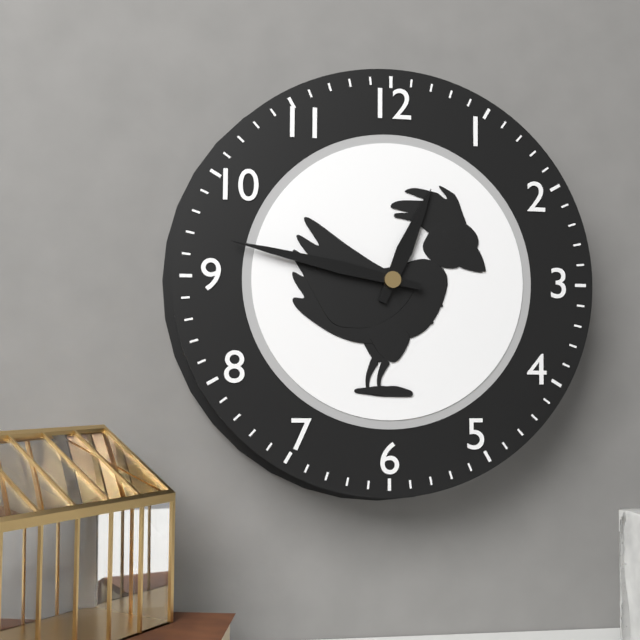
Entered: 12,47
